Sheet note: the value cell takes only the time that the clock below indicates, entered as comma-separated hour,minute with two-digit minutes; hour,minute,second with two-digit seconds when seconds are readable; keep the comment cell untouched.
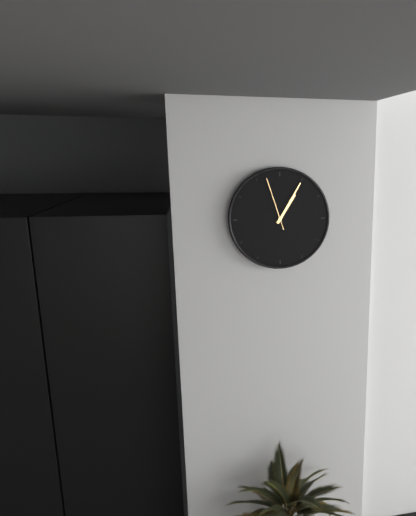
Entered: 1,05,57
